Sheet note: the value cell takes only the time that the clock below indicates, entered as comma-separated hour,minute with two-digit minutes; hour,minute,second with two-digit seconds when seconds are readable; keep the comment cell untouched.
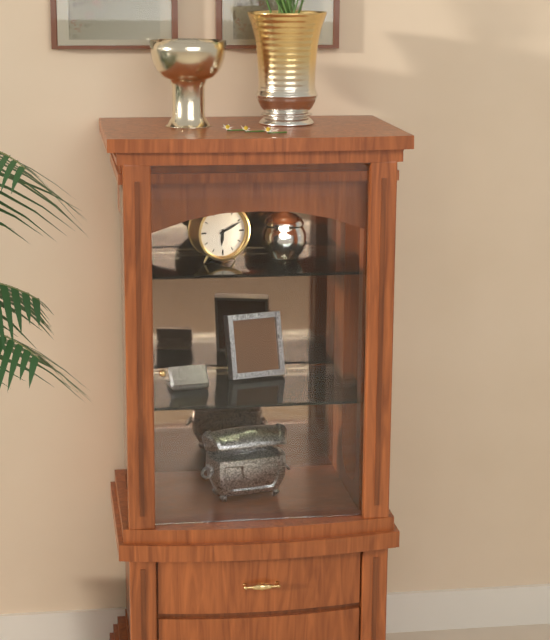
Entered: 6,11
